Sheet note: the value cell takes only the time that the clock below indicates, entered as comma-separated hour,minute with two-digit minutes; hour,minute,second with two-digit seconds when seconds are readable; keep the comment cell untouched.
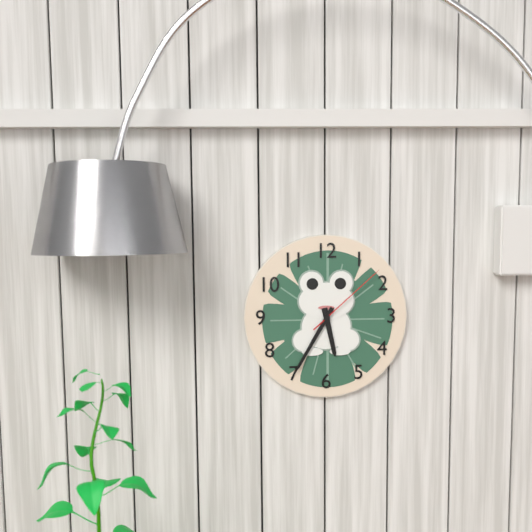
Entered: 5,35,08
